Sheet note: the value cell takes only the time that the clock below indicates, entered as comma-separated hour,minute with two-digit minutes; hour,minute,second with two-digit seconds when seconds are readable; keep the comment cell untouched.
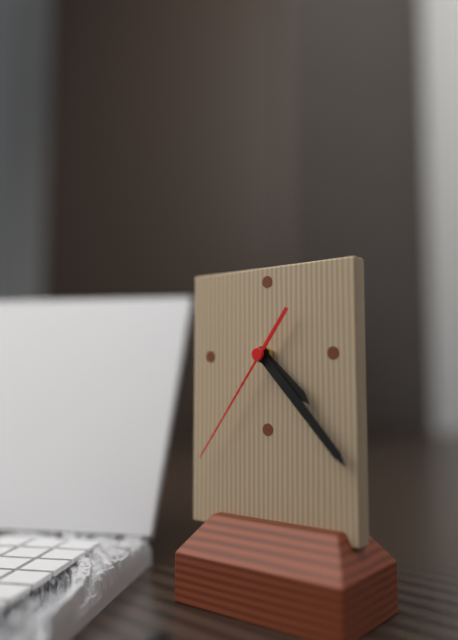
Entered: 4,23,36
